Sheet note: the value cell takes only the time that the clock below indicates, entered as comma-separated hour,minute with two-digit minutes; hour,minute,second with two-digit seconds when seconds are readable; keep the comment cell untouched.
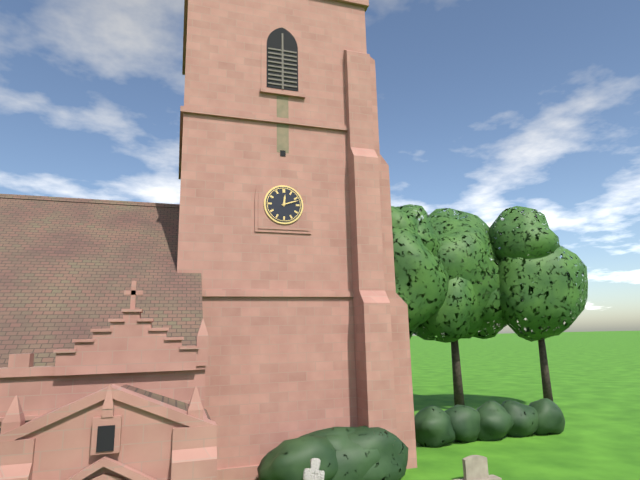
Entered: 12,12
